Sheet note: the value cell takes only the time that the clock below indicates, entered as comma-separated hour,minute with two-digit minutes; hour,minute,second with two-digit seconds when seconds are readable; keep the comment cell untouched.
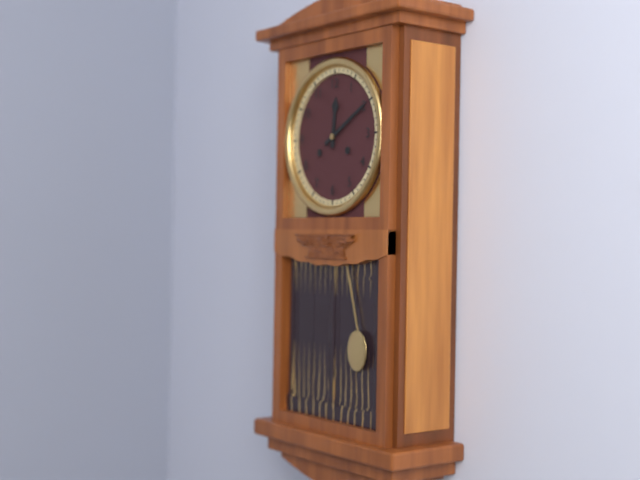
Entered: 12,10
